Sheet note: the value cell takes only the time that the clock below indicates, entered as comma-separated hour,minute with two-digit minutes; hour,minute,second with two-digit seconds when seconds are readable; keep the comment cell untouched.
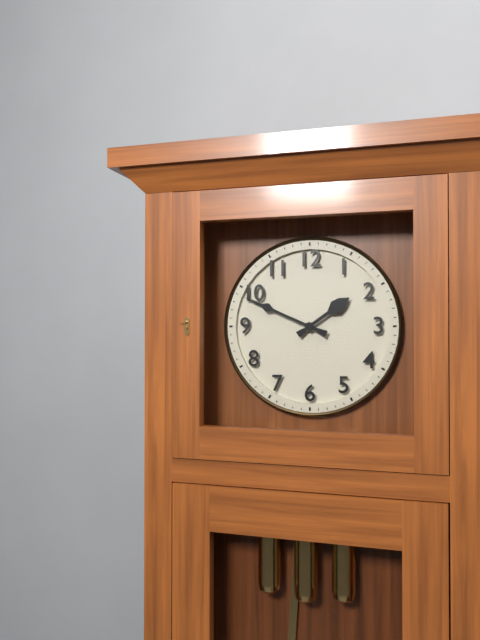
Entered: 1,49
